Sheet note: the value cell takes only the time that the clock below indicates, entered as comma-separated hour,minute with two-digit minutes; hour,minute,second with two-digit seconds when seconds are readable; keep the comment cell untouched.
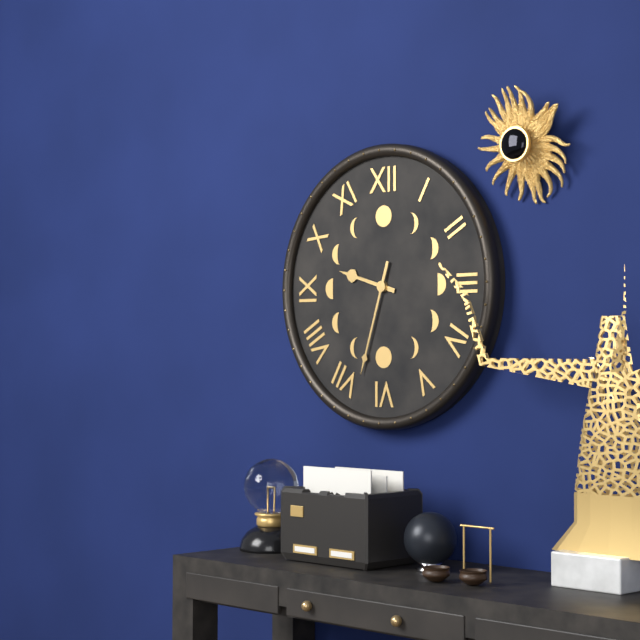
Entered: 9,33
